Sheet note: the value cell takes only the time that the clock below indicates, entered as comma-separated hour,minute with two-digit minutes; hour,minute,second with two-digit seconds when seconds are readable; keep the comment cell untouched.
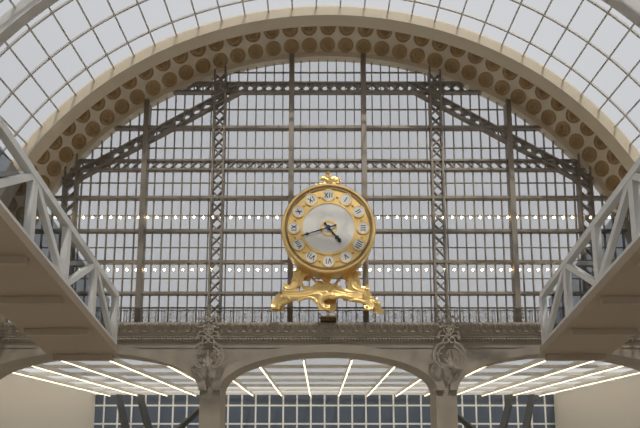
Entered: 4,42
